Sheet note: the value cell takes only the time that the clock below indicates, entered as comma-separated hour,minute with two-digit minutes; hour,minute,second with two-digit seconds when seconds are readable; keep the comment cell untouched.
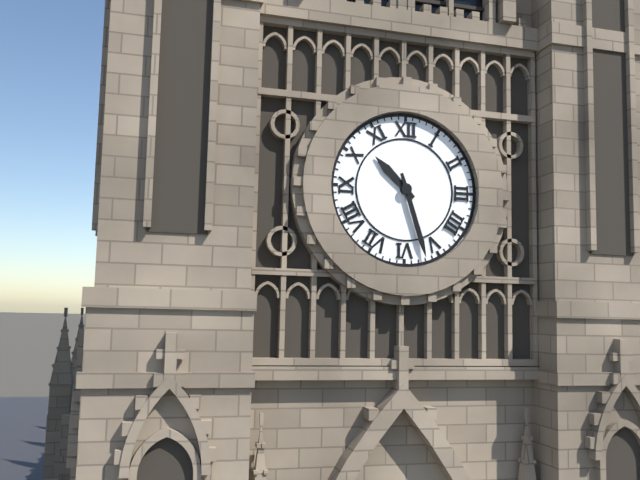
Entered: 10,27
